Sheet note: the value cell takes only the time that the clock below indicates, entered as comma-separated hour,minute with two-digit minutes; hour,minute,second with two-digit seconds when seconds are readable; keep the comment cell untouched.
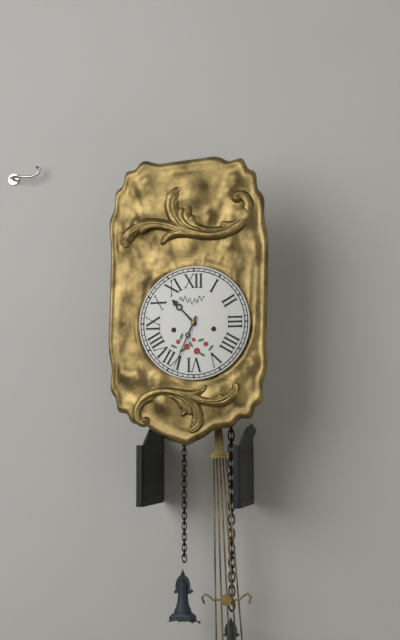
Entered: 10,34
